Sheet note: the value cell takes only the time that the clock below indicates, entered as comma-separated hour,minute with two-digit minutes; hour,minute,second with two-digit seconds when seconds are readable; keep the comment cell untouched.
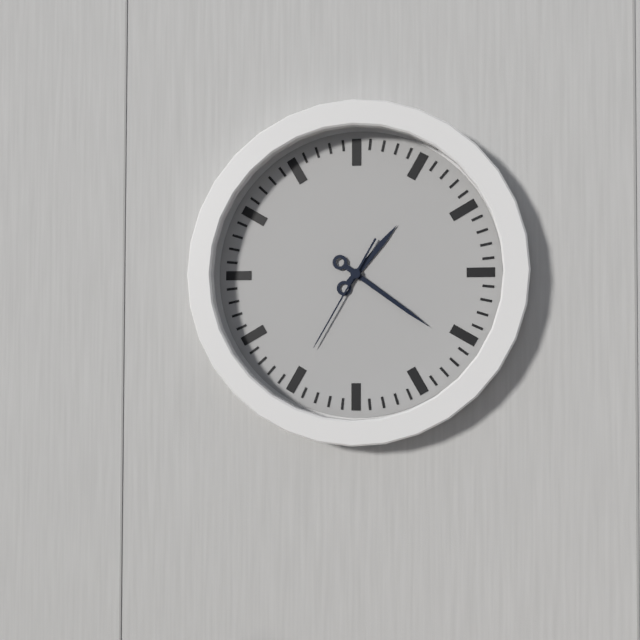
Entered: 1,21,35
